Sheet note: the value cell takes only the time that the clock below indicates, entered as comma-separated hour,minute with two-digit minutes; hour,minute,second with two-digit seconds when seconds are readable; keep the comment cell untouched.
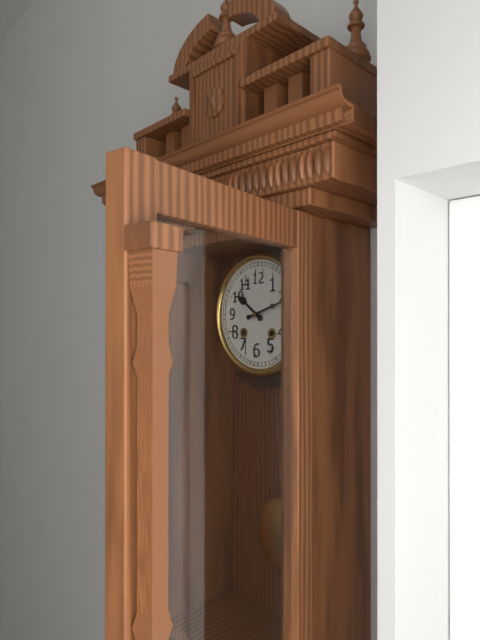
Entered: 10,12
